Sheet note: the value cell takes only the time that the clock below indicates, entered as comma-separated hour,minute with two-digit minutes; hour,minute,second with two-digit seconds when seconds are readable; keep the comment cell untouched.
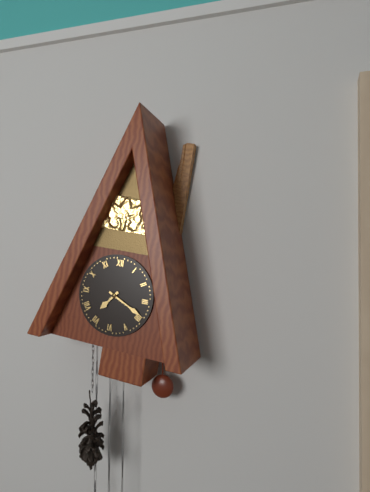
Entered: 7,19
